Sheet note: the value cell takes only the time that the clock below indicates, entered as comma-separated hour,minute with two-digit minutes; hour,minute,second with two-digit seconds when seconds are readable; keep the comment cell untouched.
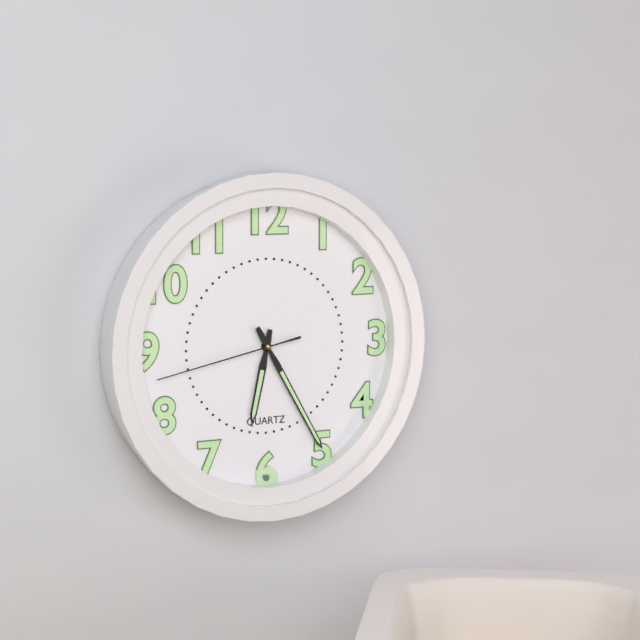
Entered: 6,25,43
